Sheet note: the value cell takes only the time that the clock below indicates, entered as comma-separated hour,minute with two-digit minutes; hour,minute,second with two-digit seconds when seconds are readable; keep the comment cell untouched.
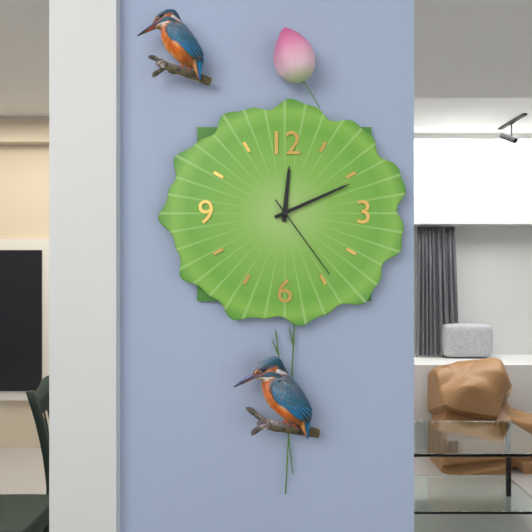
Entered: 12,11,24
